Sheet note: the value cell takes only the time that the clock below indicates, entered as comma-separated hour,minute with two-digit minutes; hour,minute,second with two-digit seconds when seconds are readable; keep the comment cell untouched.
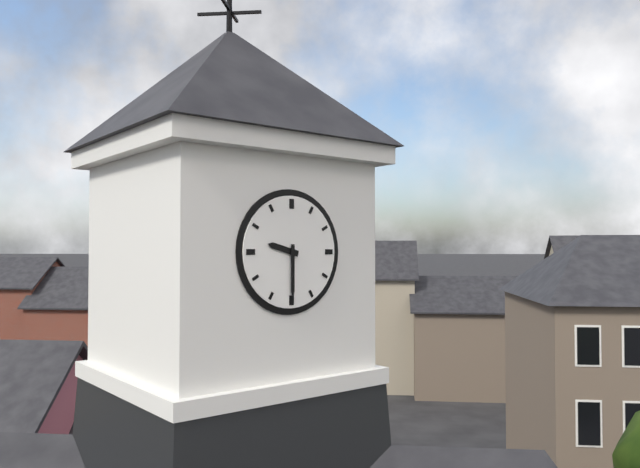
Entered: 9,30
